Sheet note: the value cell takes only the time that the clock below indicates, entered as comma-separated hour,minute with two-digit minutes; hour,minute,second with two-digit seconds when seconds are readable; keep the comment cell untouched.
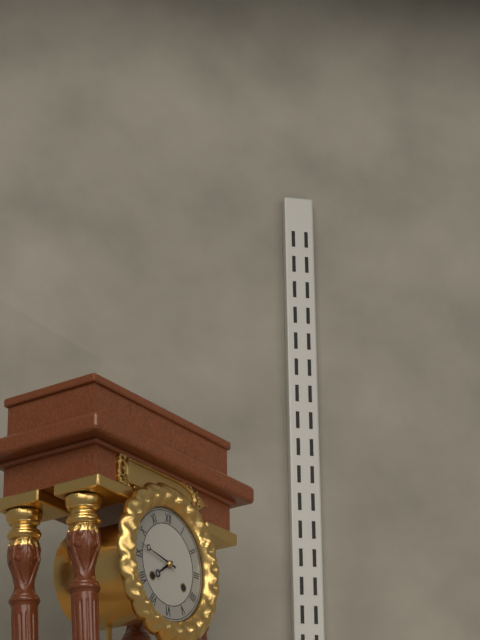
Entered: 7,47
